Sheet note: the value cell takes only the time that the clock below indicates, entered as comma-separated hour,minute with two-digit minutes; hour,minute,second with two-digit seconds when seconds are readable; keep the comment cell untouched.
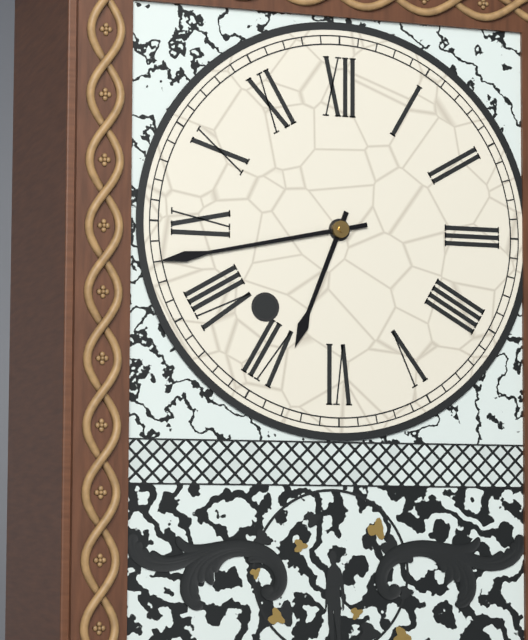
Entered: 6,43
